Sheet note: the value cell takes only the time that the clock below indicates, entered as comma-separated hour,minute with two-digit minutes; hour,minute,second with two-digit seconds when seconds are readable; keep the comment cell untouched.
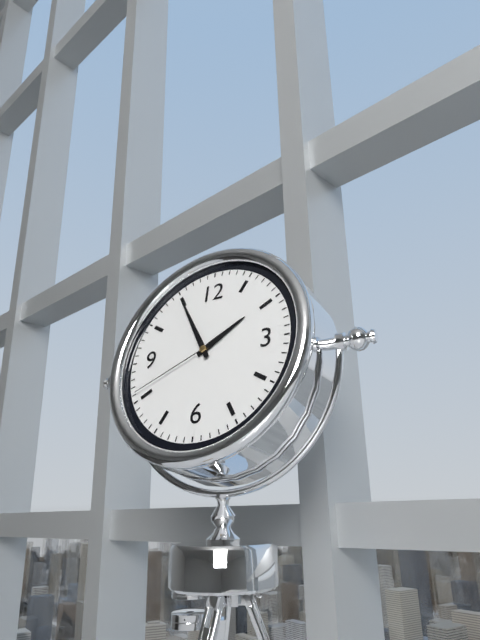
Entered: 1,55,41
